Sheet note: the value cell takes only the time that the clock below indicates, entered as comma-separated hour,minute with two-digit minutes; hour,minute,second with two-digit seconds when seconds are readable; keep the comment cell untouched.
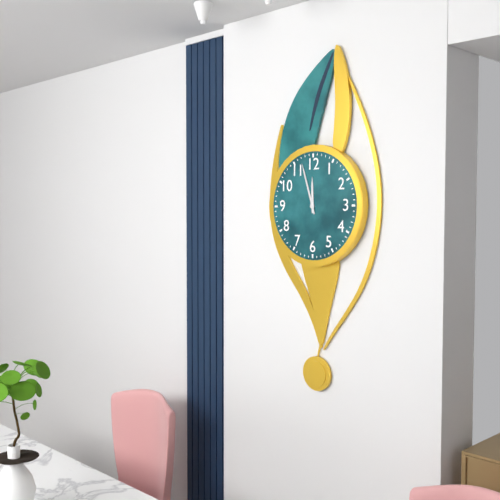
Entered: 11,57
